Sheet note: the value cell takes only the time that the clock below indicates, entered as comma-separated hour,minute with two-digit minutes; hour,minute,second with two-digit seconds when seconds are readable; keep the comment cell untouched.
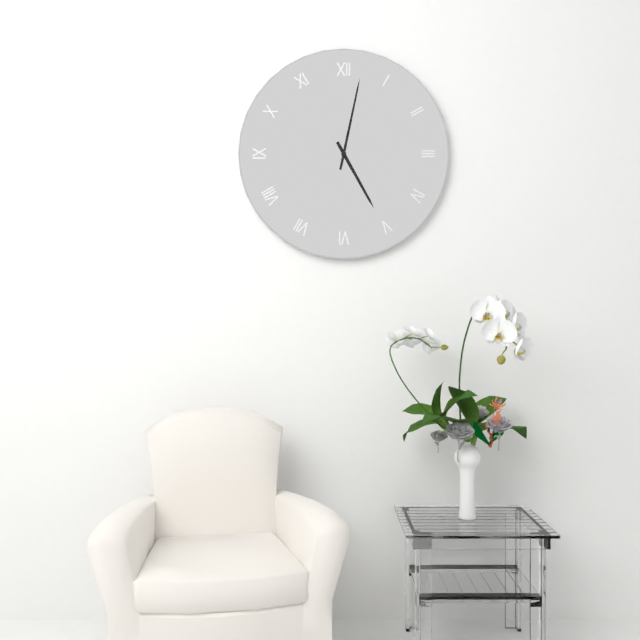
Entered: 5,02
